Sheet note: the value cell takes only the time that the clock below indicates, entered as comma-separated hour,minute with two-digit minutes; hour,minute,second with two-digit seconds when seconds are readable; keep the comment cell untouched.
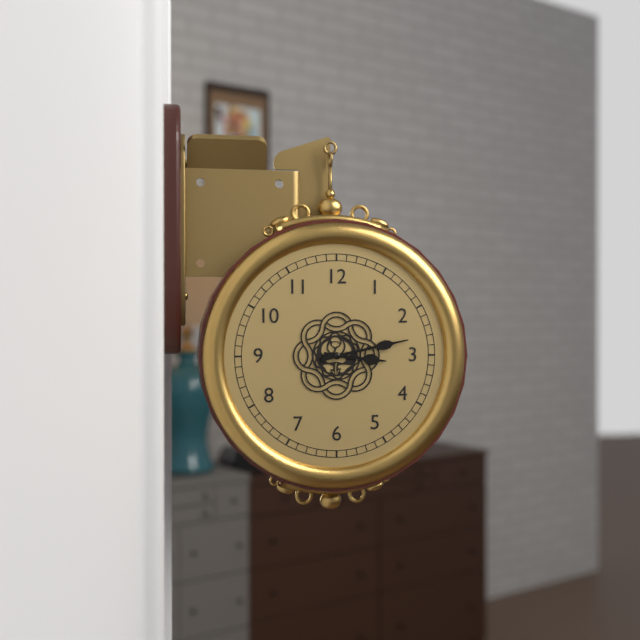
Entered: 3,13
